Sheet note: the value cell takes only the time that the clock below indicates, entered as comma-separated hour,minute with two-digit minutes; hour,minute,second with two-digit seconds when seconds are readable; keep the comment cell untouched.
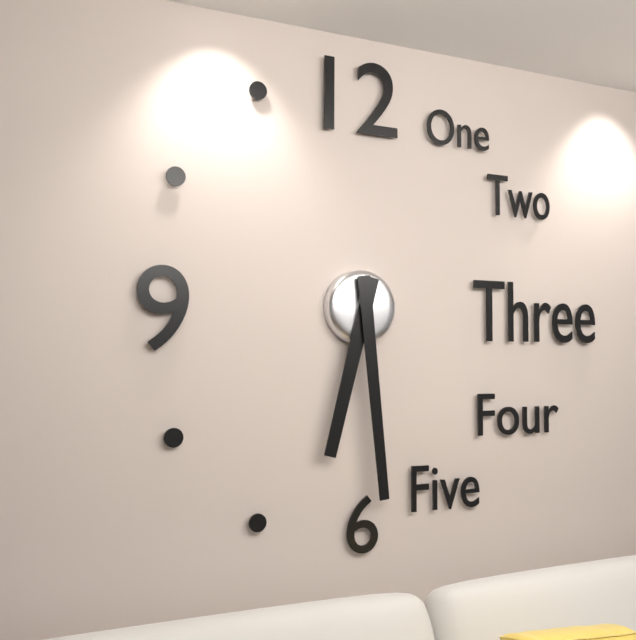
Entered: 6,29
